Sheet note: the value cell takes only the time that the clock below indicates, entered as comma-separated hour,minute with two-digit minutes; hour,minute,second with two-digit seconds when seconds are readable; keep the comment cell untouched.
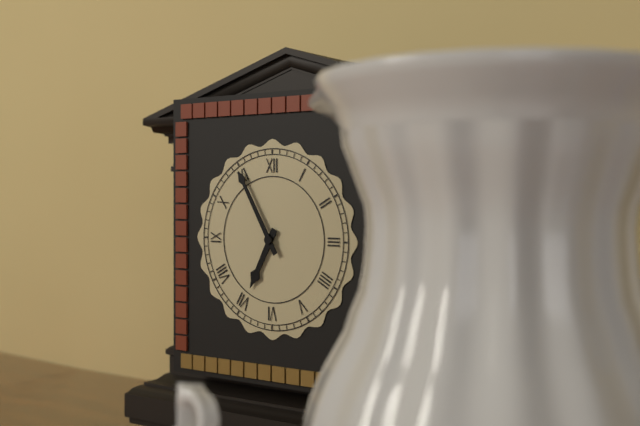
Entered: 6,55
